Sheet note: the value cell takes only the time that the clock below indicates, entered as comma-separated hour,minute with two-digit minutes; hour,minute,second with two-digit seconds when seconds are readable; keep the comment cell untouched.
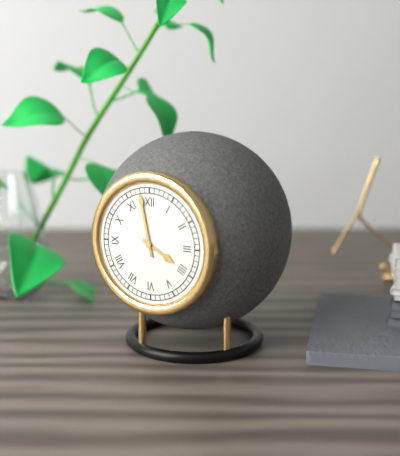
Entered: 3,58
